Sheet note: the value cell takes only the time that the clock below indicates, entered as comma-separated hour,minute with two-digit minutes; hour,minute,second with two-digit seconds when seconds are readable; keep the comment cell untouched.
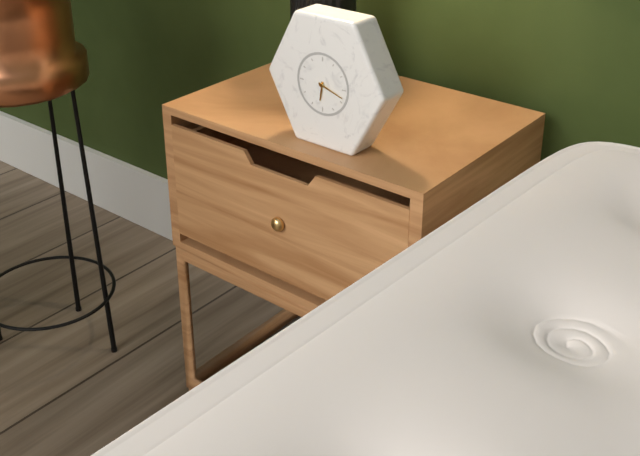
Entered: 6,18
